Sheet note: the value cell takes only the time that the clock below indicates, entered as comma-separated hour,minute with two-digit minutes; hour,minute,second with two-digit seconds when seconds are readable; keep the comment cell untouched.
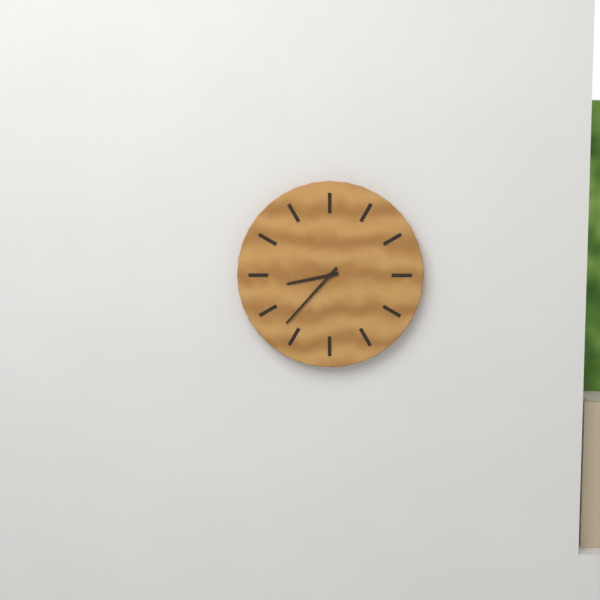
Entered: 8,37
